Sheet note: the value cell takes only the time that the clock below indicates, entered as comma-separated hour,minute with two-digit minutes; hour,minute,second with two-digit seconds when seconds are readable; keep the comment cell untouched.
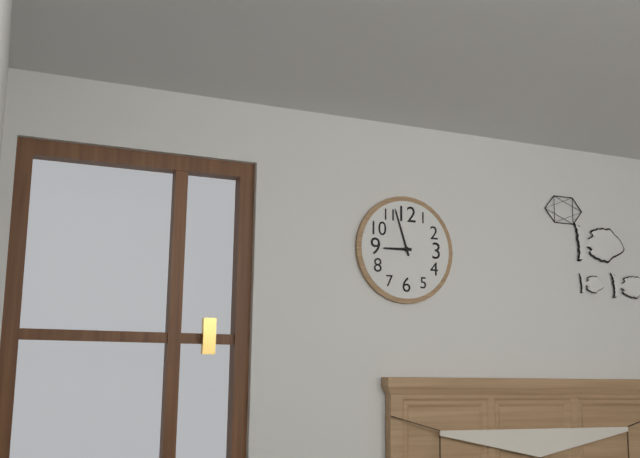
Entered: 8,57
